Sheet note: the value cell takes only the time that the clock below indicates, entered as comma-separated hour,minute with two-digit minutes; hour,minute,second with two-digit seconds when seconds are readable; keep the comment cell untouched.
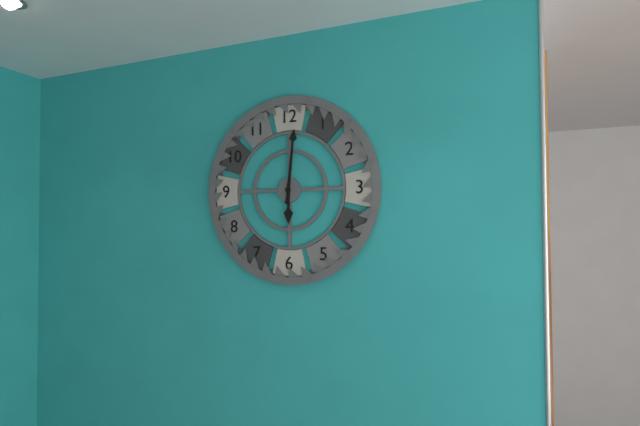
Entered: 6,01
